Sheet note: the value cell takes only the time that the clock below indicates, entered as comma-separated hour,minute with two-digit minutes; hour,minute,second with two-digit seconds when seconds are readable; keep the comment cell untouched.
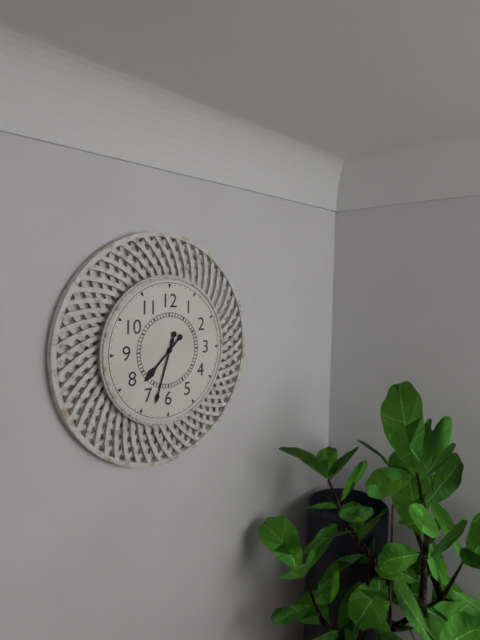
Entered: 7,33
